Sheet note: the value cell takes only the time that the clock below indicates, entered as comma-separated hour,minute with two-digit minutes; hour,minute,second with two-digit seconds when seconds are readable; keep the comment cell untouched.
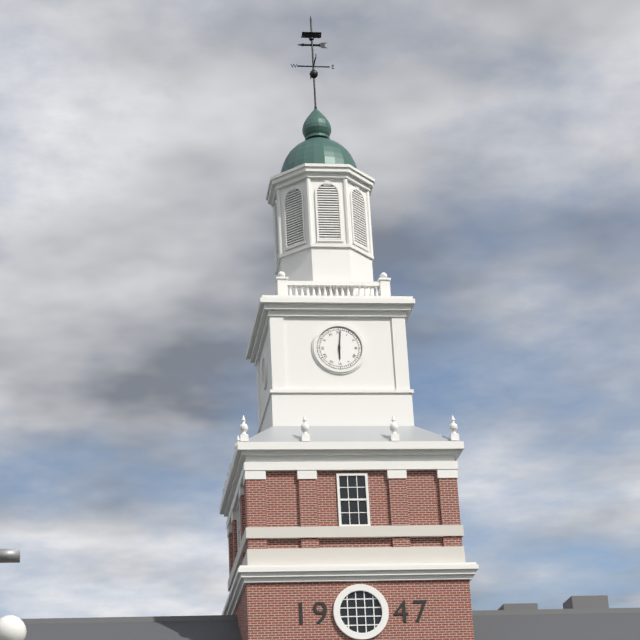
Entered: 6,01
